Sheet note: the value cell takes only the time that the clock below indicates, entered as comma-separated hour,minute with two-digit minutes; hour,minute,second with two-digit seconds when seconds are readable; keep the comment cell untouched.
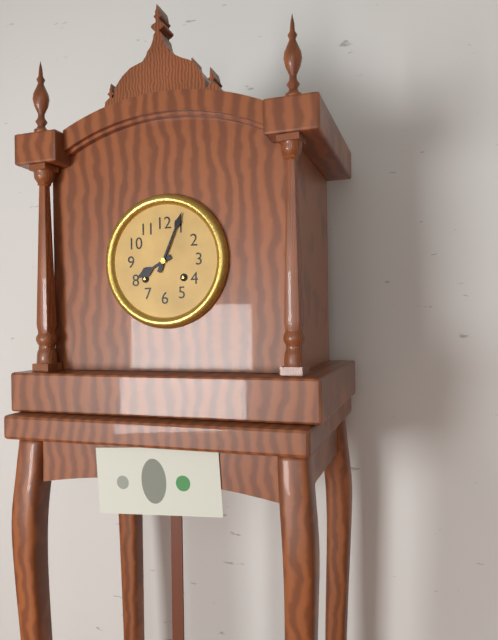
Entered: 8,04
